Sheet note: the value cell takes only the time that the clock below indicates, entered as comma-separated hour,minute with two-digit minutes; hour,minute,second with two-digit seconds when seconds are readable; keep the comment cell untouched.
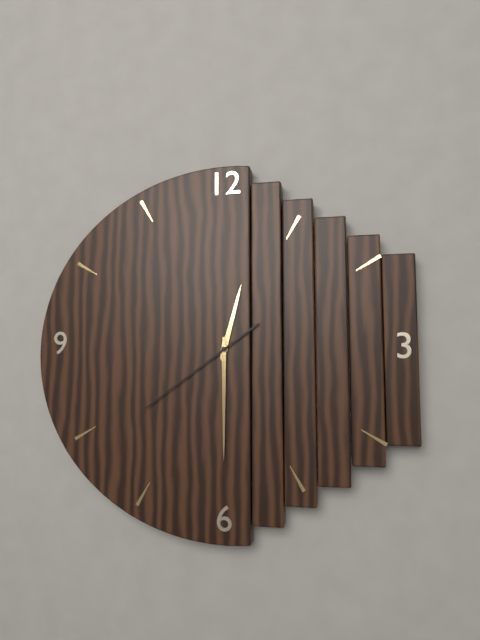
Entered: 12,30,39
